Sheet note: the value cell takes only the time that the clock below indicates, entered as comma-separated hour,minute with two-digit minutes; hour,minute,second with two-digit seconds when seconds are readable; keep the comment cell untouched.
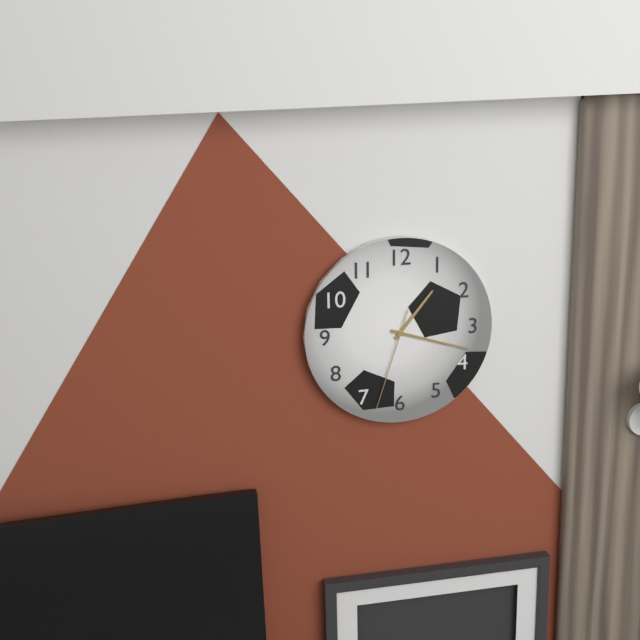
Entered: 1,18,33
